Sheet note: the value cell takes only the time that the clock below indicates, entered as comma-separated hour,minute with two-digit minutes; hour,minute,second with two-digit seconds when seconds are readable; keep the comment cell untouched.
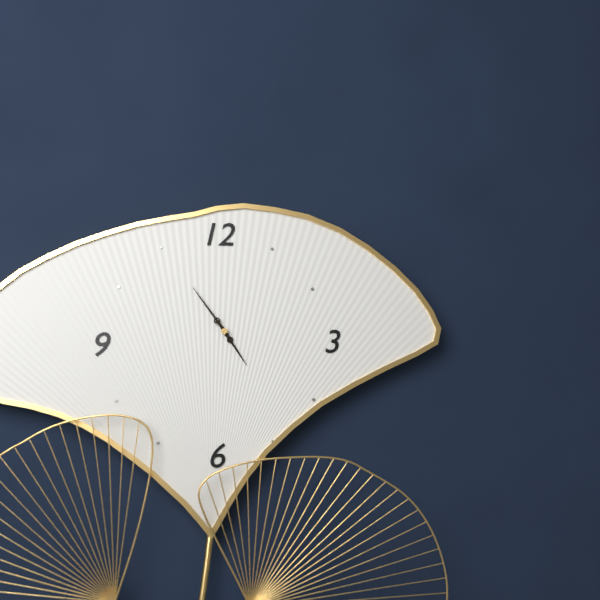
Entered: 4,54
